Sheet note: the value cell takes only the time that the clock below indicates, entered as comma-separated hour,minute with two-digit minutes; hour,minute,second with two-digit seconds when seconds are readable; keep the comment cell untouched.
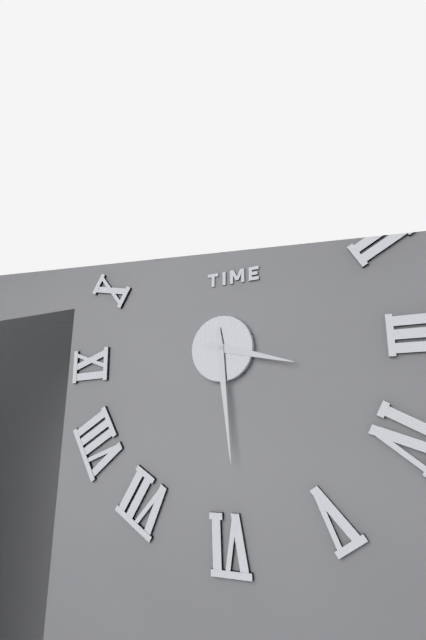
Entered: 3,29
